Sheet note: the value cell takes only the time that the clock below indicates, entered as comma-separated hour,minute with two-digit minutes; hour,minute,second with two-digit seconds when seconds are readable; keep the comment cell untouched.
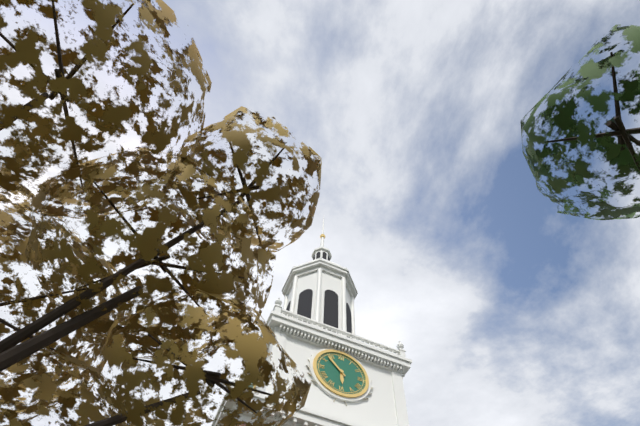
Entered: 5,53
